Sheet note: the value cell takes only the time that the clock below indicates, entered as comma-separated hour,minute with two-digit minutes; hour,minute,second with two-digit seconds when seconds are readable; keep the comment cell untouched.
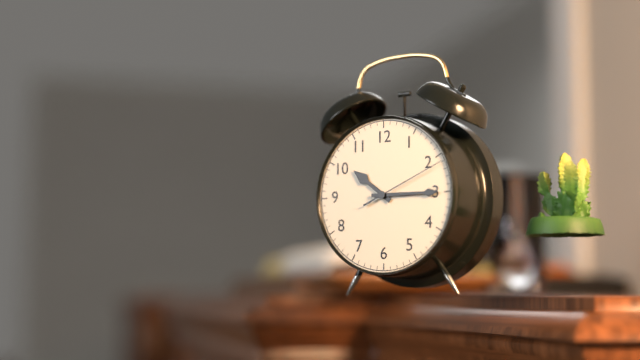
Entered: 10,15,11
